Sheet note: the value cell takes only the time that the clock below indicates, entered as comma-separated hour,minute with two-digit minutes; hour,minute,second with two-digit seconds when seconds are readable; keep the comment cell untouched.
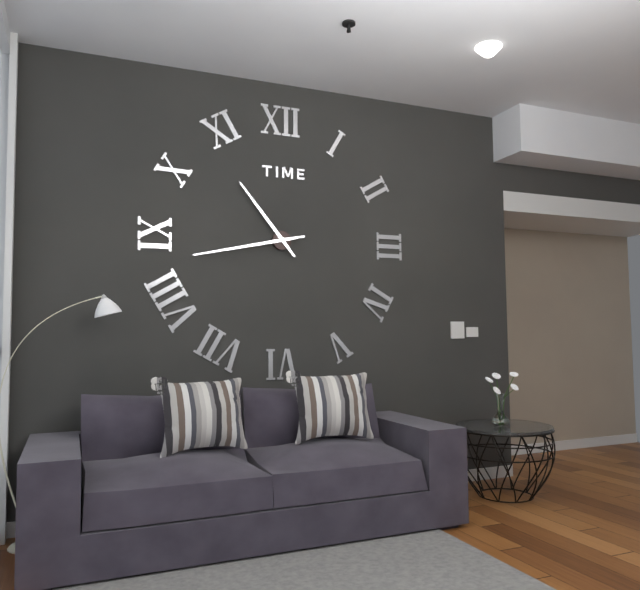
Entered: 10,43
